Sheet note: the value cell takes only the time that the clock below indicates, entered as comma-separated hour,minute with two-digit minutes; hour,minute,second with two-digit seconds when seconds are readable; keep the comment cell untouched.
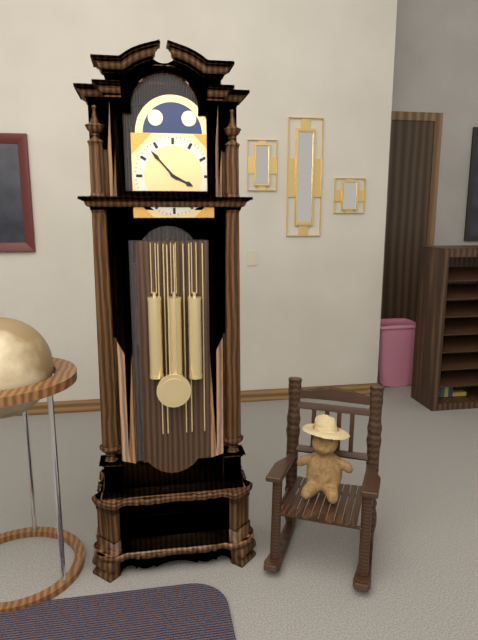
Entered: 3,53
